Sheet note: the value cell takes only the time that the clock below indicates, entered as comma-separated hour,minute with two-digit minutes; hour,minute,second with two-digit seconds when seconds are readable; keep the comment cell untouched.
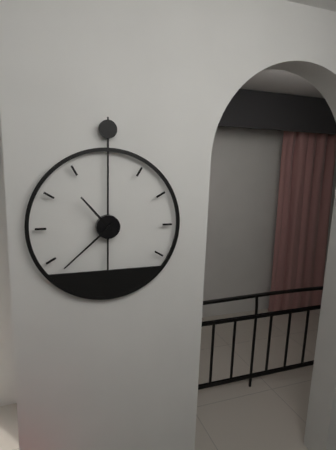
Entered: 10,38
